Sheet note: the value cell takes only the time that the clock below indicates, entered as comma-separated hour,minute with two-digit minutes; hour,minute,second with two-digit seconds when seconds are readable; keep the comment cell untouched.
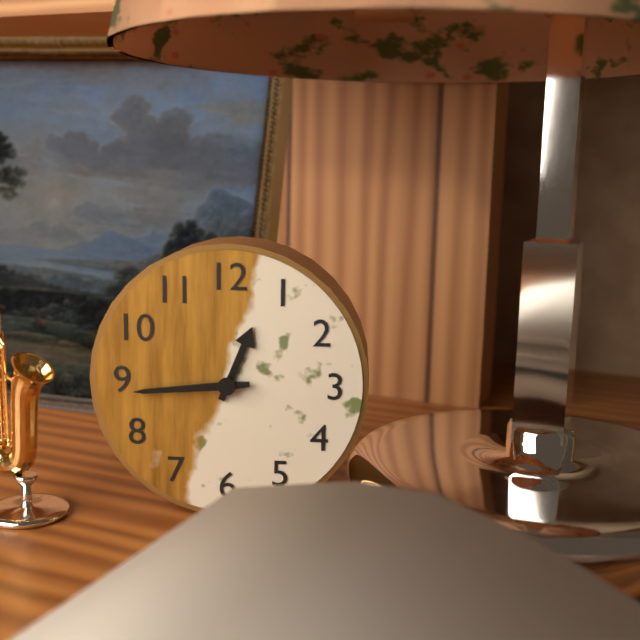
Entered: 12,44
